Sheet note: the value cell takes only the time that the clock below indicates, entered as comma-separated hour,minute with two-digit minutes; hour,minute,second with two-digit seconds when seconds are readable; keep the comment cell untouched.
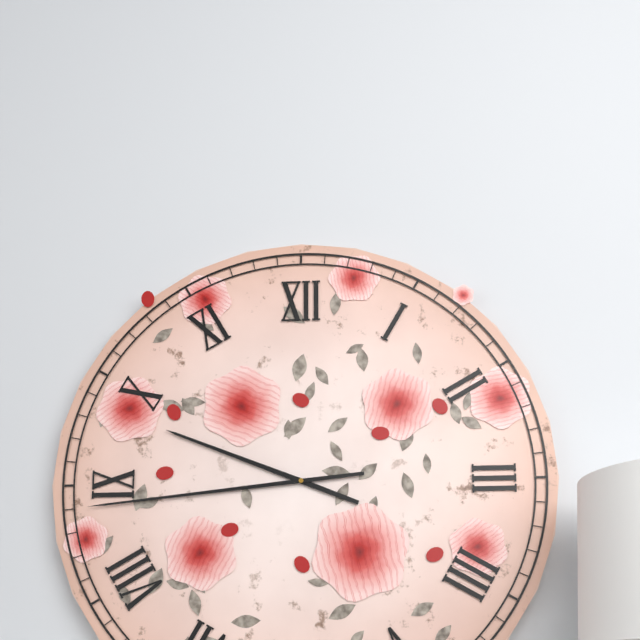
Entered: 9,44
